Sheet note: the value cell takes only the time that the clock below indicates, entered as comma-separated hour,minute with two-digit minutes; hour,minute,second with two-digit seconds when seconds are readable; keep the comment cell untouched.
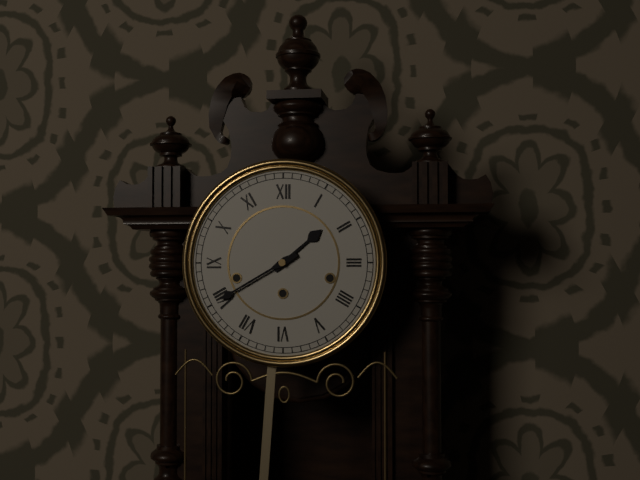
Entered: 1,40
